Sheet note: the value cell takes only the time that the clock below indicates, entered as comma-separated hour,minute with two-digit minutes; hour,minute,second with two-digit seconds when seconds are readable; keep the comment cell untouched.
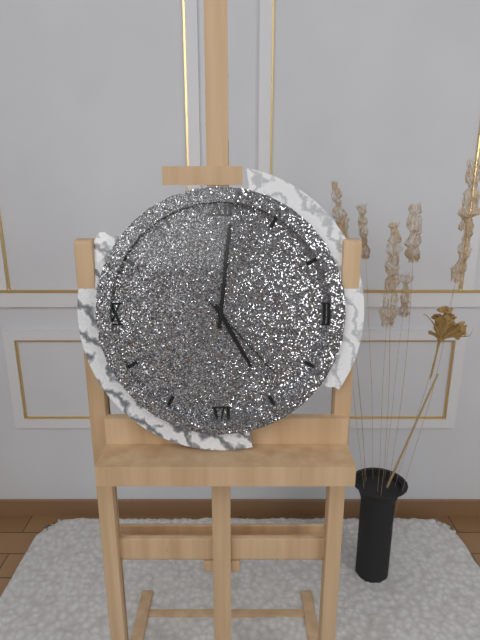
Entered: 5,01,23
